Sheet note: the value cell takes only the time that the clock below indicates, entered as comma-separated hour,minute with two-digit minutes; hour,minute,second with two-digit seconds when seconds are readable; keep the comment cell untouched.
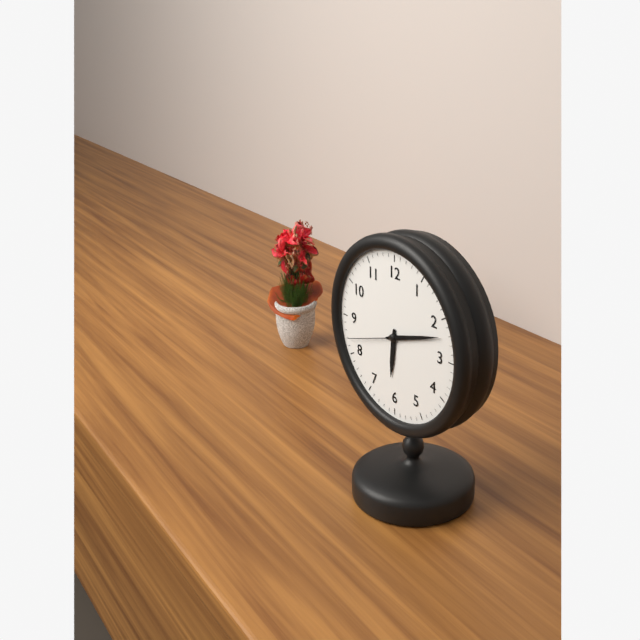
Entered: 6,12,42
